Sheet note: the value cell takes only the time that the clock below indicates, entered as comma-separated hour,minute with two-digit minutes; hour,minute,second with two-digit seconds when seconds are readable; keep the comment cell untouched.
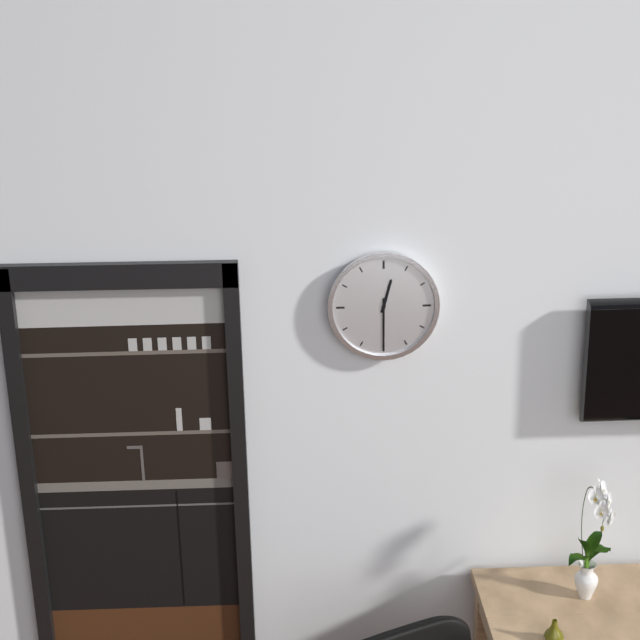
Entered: 12,30
